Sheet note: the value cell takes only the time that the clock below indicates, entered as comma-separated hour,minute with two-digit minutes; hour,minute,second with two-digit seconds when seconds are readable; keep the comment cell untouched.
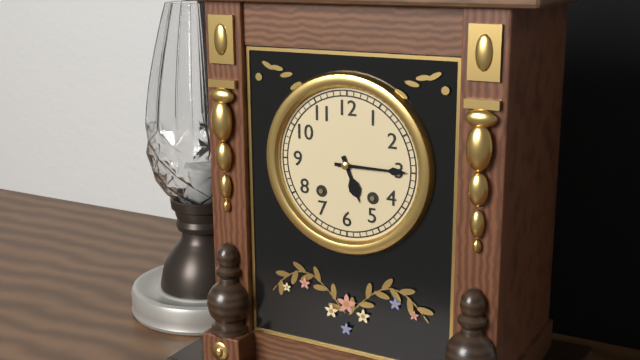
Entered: 5,15
